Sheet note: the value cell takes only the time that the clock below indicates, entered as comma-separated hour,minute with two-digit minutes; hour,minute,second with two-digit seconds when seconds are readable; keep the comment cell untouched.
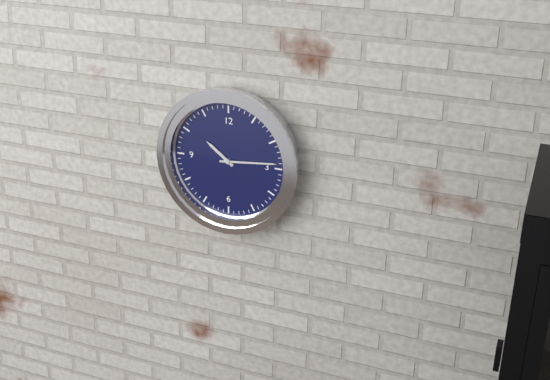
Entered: 10,14
